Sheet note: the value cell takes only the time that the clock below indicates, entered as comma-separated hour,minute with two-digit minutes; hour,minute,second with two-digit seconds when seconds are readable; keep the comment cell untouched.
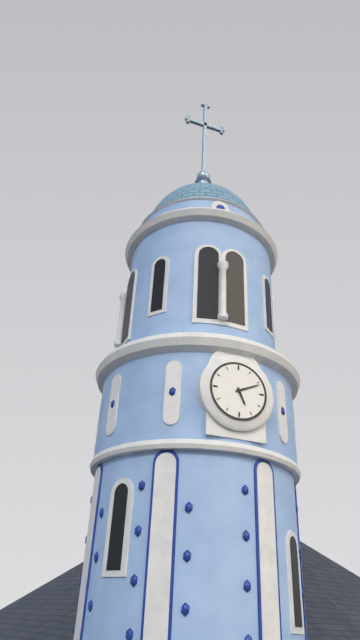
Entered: 5,11
